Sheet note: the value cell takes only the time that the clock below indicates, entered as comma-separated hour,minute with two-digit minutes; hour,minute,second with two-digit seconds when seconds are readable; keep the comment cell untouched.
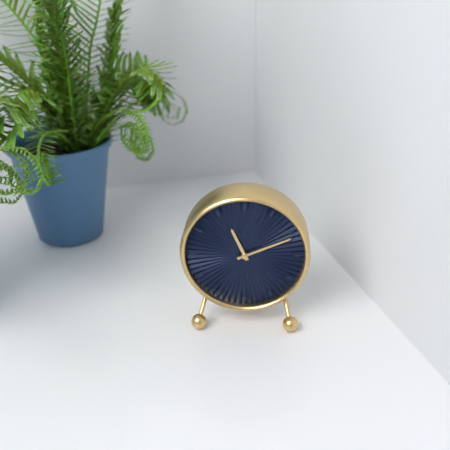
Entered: 11,11
